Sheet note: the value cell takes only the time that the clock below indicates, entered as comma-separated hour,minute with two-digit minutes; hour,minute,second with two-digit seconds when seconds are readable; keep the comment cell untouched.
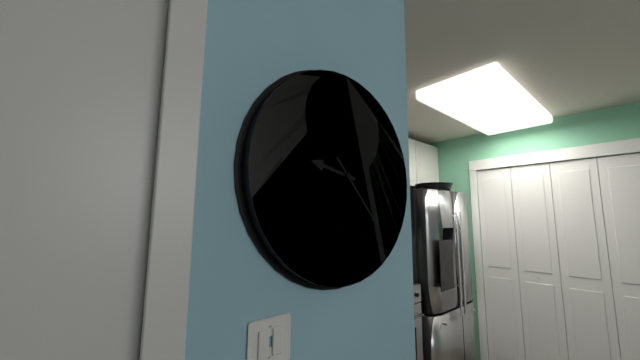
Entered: 9,23
